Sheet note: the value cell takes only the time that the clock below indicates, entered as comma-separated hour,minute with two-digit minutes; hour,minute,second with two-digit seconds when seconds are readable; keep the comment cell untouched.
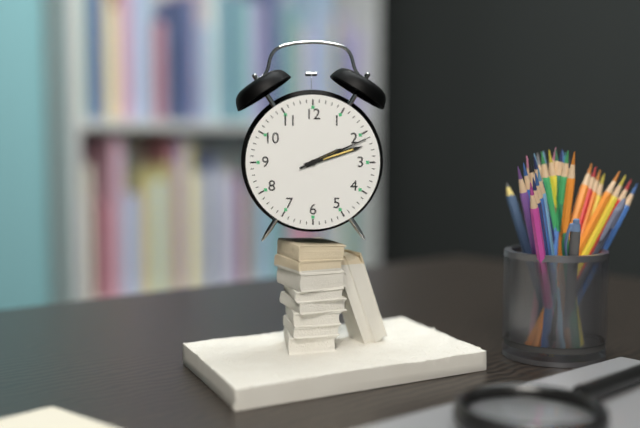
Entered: 2,12,11
